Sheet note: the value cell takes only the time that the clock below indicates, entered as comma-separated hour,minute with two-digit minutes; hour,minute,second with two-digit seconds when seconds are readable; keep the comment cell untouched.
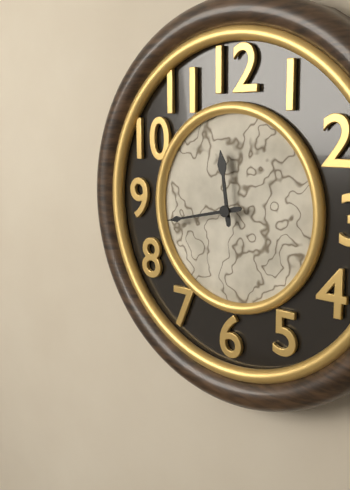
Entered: 11,43
